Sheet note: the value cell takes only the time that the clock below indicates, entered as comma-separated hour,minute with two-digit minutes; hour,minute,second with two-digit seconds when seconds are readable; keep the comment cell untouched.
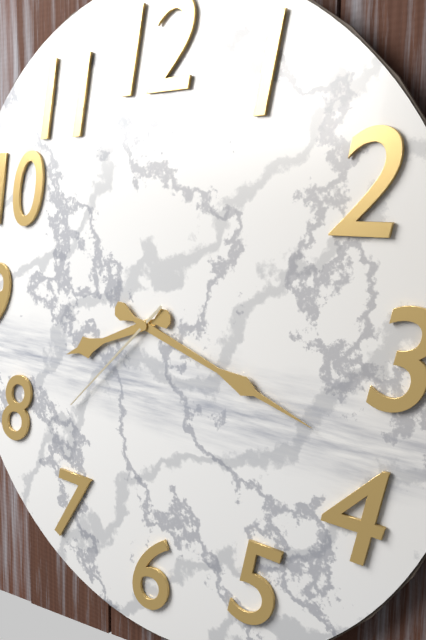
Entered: 8,18,38
